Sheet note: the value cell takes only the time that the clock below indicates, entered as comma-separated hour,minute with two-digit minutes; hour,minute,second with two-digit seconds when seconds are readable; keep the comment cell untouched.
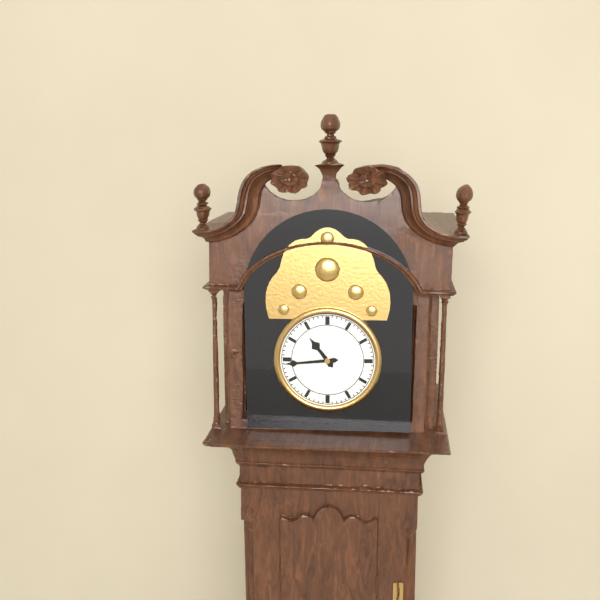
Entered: 10,44
